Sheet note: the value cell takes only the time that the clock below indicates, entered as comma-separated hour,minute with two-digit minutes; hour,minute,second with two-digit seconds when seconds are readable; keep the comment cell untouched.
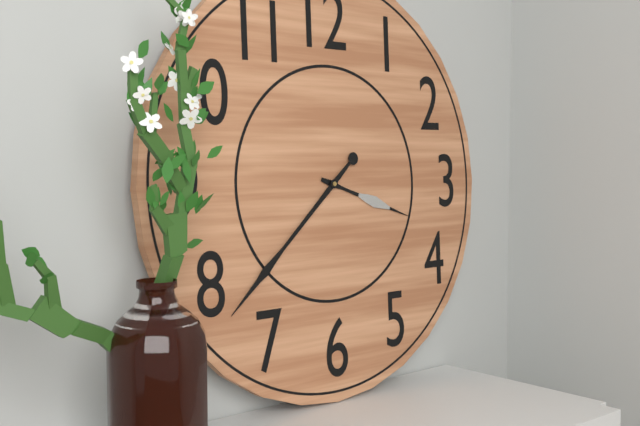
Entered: 3,38
